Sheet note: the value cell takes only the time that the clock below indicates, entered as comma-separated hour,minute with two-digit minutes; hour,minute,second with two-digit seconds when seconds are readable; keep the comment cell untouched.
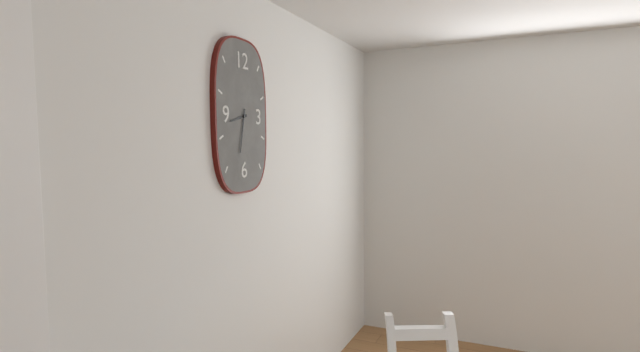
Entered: 8,32
